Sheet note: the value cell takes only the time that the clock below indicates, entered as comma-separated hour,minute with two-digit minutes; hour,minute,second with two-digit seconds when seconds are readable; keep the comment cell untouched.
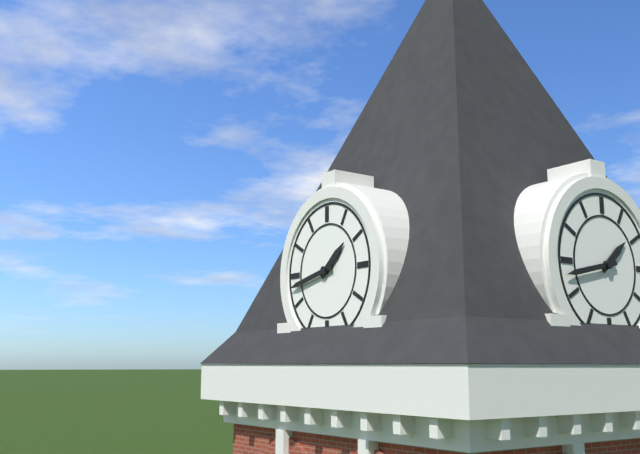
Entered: 1,43
